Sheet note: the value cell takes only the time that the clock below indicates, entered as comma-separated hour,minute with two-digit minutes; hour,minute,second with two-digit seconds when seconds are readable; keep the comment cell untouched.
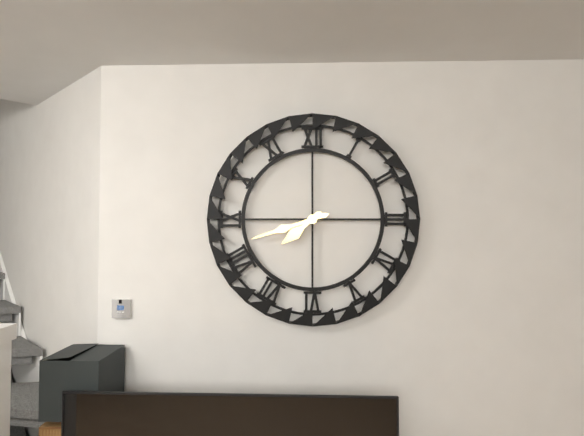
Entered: 7,42
